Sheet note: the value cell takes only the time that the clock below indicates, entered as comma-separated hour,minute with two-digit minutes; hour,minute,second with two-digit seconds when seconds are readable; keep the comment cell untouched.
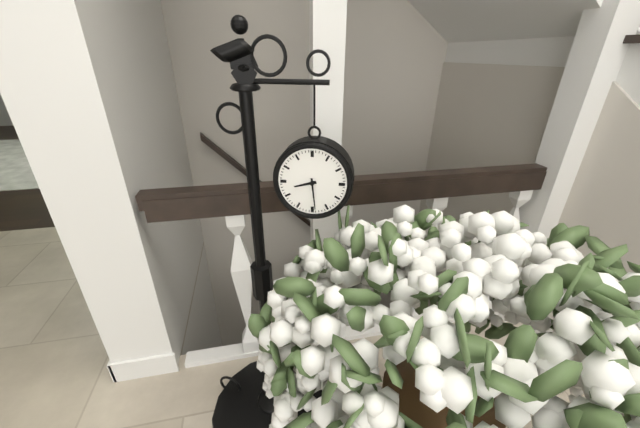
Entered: 8,29
